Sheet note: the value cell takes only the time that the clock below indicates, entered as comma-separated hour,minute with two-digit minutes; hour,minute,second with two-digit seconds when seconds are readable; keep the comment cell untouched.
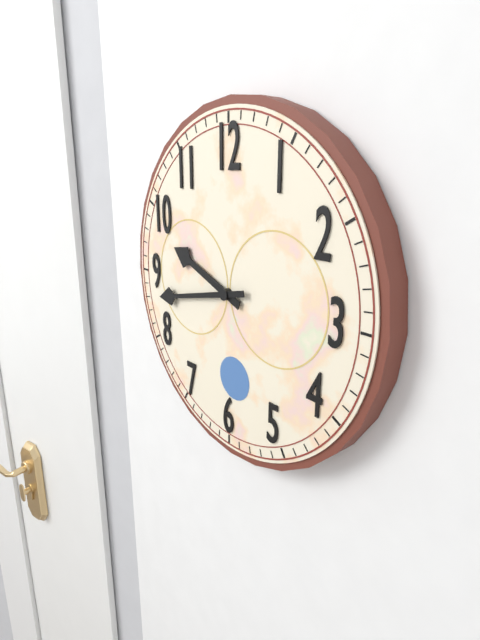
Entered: 9,43
